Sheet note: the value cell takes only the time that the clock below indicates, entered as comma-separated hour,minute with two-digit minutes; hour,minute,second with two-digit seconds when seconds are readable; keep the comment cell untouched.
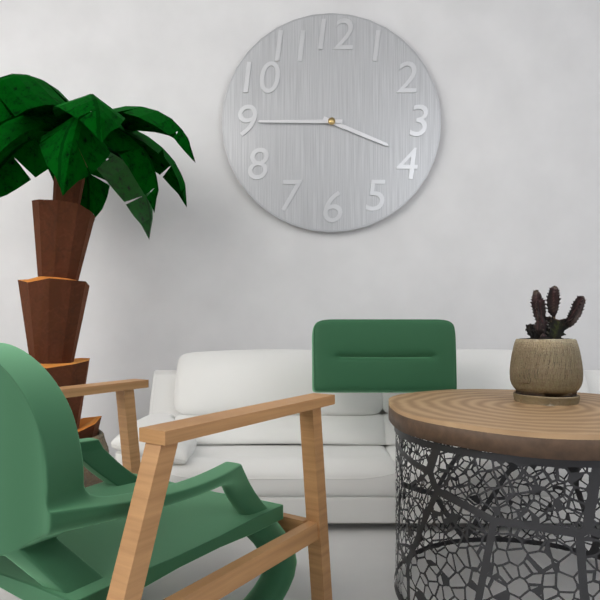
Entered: 3,45
